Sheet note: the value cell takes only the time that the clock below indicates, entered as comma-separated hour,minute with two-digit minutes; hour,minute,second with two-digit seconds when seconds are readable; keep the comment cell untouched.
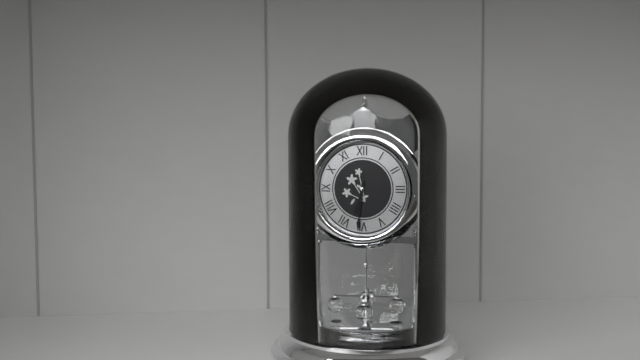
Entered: 6,31
